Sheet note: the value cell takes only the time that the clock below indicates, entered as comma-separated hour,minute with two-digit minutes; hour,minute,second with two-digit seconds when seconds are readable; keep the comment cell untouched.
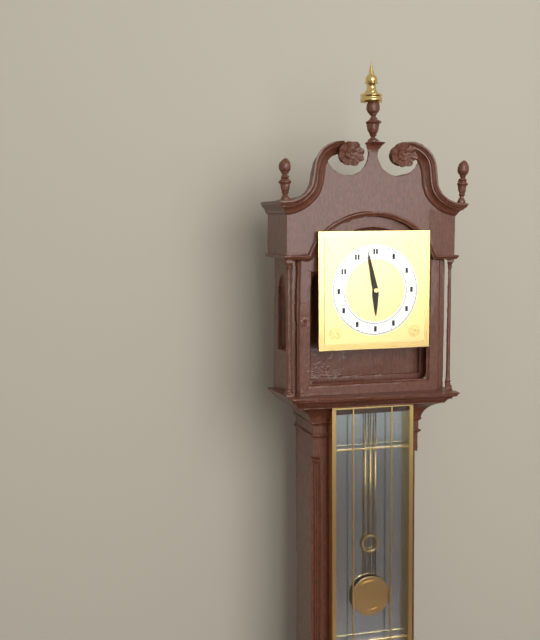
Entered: 5,58
